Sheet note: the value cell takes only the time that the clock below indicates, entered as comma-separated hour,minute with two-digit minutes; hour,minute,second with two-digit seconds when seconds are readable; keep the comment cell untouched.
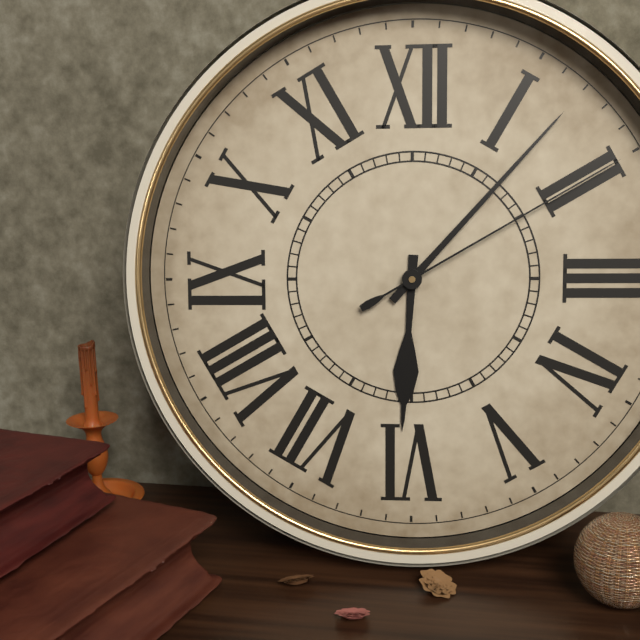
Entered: 6,07,10
